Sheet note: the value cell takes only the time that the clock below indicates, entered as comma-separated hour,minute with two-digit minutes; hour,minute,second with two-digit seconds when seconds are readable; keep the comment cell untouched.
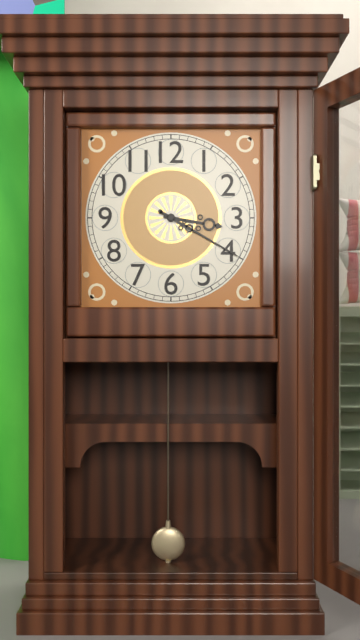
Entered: 3,20
